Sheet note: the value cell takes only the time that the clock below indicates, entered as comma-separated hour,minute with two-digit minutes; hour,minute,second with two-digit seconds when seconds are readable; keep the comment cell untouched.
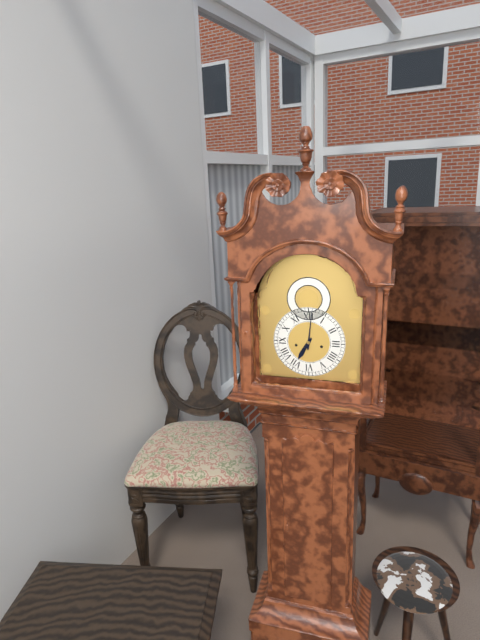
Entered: 7,01
